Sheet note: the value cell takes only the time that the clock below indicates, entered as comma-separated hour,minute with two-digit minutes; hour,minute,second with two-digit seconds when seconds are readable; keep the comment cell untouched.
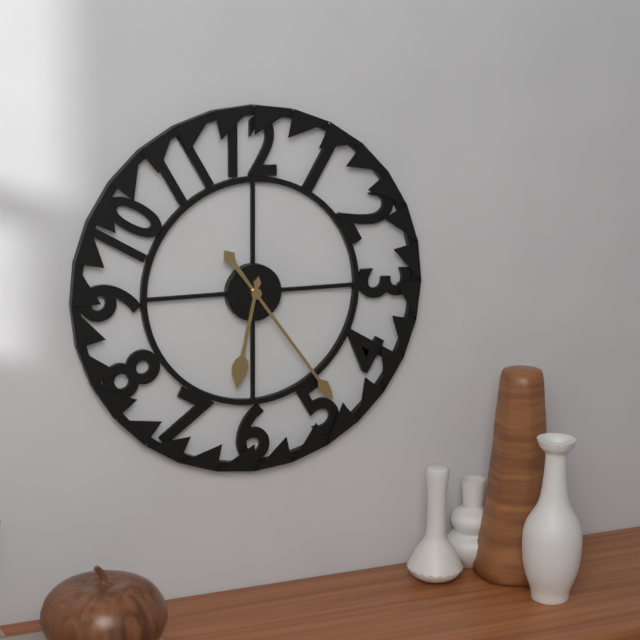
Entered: 6,24
